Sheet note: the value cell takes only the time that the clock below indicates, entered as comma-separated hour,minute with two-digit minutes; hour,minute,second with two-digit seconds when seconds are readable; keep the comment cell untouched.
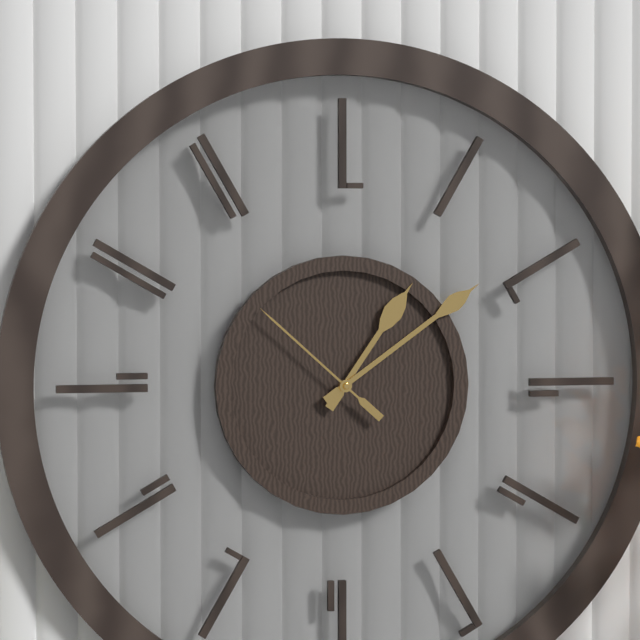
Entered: 1,09,52
